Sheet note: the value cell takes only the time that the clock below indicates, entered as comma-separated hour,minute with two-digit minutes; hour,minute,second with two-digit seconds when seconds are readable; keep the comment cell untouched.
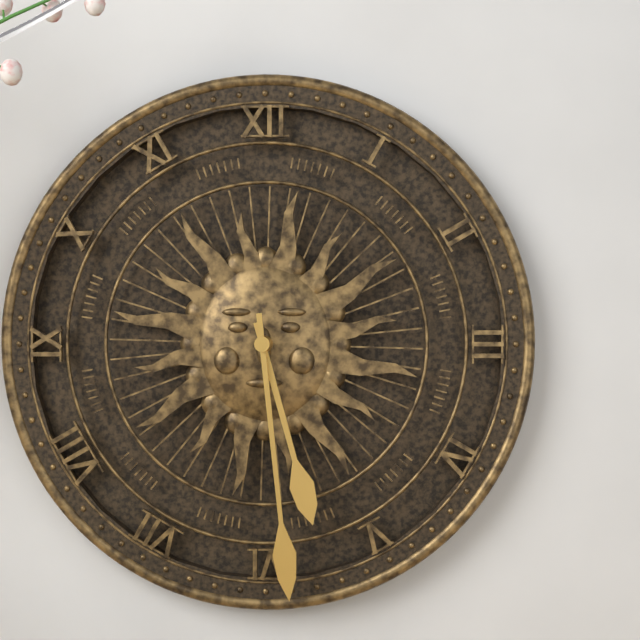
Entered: 5,29
